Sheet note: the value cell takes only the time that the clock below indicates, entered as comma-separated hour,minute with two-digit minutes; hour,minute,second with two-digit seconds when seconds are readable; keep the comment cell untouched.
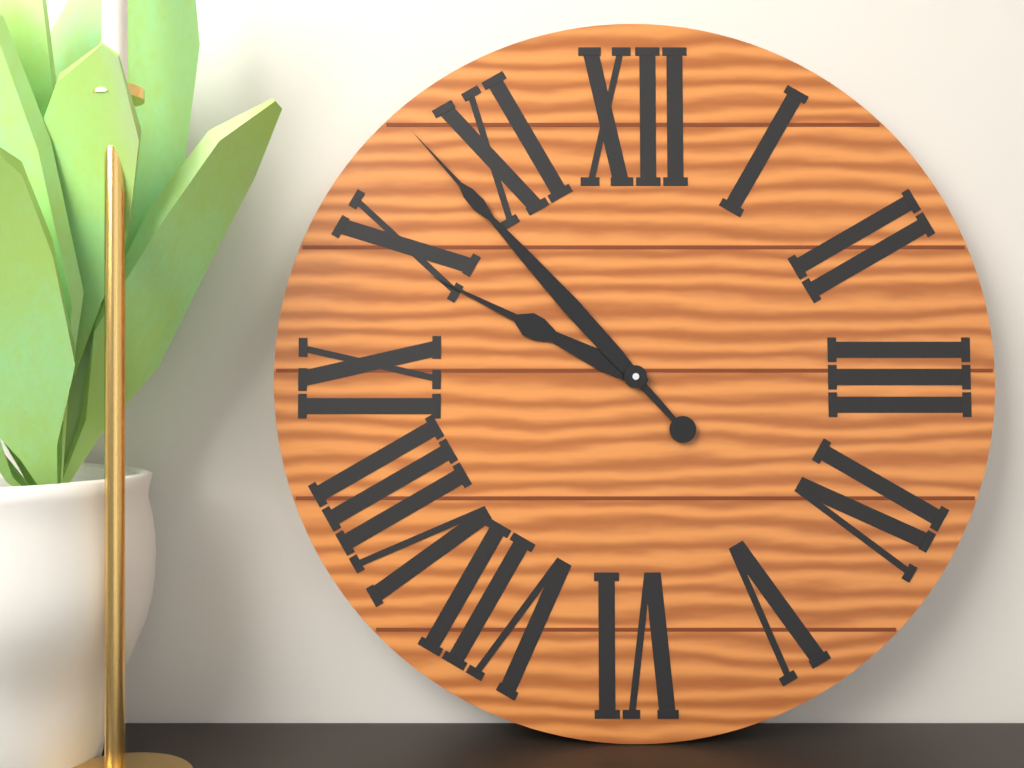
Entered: 9,53
